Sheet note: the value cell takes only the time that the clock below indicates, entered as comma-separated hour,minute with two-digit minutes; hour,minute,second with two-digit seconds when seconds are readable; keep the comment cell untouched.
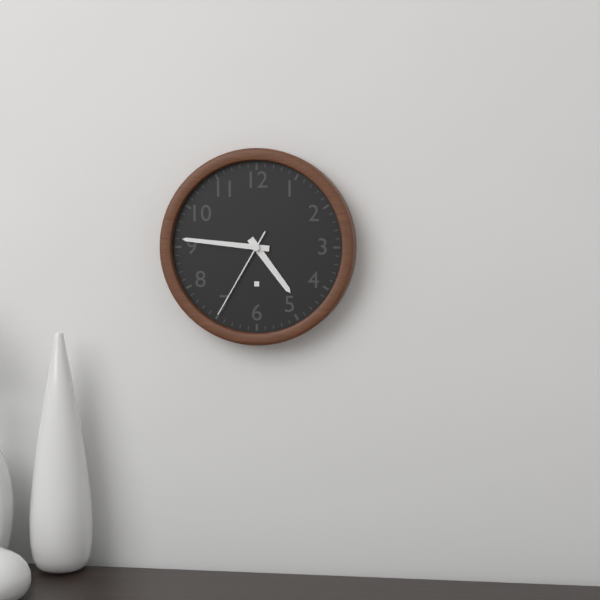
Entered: 4,46,35
